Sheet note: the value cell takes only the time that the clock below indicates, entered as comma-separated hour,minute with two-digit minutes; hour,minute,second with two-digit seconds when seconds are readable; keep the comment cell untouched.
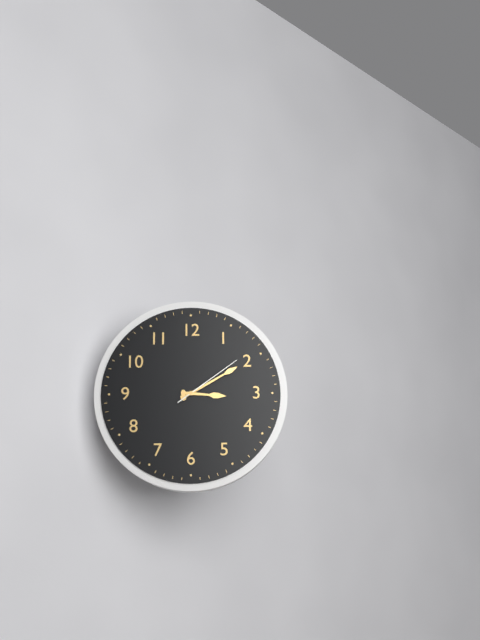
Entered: 3,10,09
